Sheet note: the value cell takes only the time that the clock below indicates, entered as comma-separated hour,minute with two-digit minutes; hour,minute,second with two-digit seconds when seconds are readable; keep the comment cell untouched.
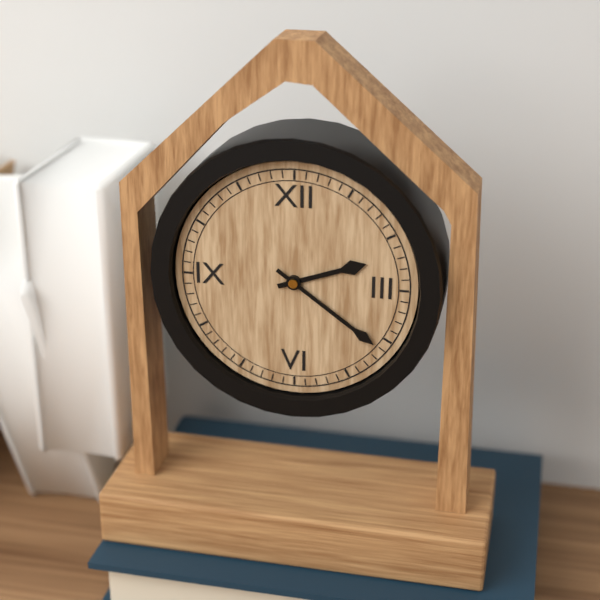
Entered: 2,21
